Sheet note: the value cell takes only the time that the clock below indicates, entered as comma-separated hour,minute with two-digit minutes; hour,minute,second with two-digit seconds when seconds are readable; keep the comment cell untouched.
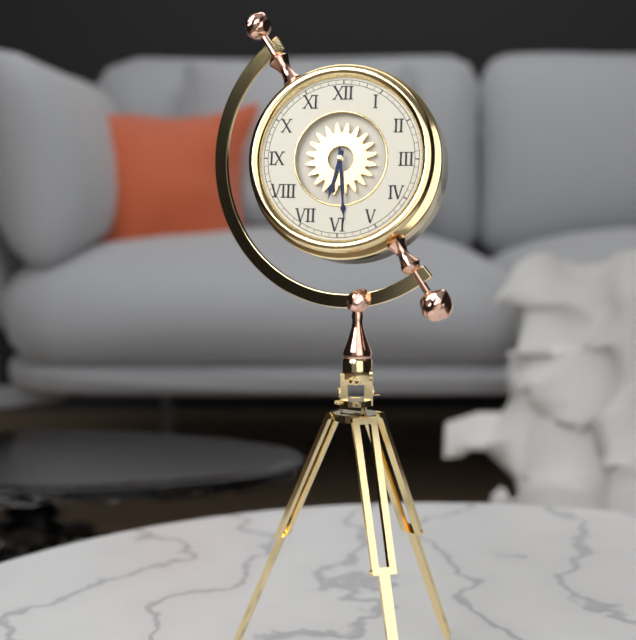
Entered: 6,29
